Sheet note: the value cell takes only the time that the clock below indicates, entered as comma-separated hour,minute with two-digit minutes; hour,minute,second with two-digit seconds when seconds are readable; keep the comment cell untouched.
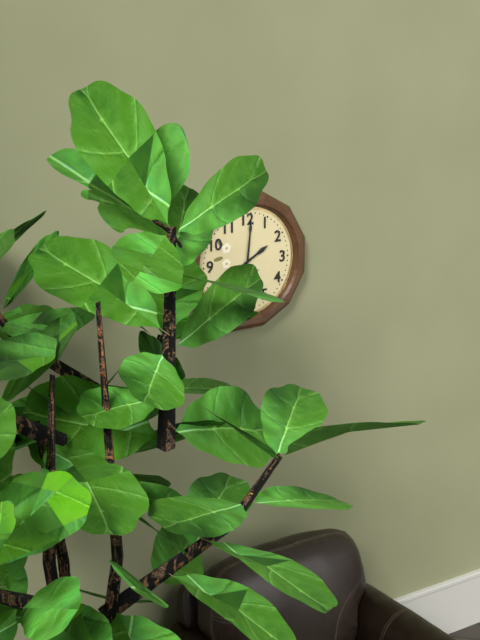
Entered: 2,01
